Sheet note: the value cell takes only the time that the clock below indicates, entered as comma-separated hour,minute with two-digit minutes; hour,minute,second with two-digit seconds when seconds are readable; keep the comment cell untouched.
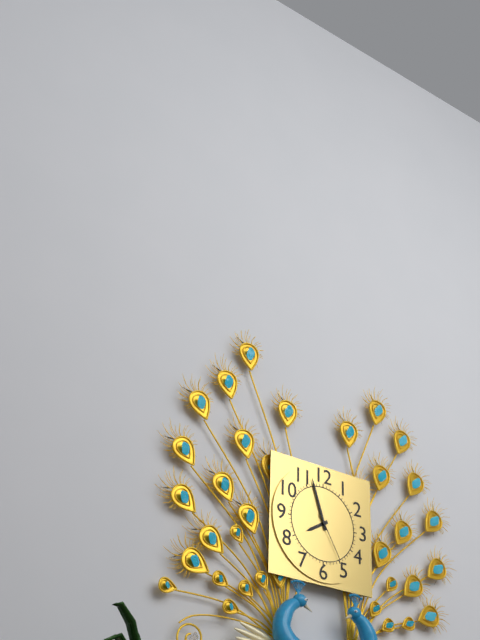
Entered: 7,57,25
